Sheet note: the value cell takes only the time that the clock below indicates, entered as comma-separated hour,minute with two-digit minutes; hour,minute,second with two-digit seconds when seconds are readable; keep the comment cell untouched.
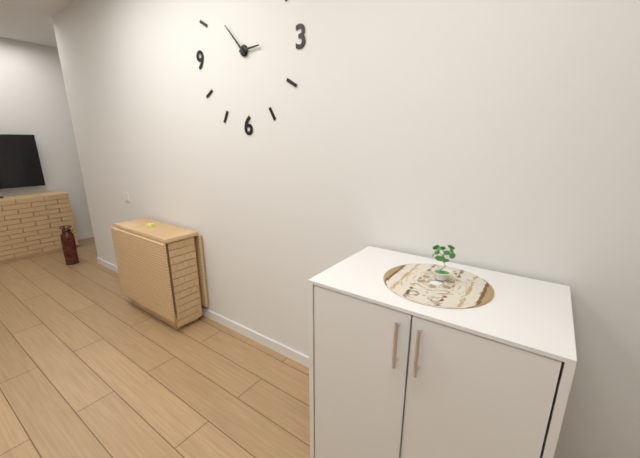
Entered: 2,53
